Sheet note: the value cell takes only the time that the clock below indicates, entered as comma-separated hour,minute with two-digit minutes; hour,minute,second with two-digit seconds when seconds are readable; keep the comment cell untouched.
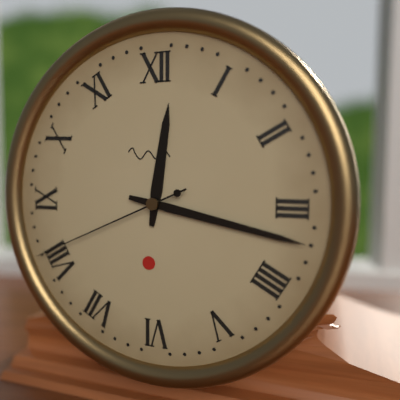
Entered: 12,17,41
